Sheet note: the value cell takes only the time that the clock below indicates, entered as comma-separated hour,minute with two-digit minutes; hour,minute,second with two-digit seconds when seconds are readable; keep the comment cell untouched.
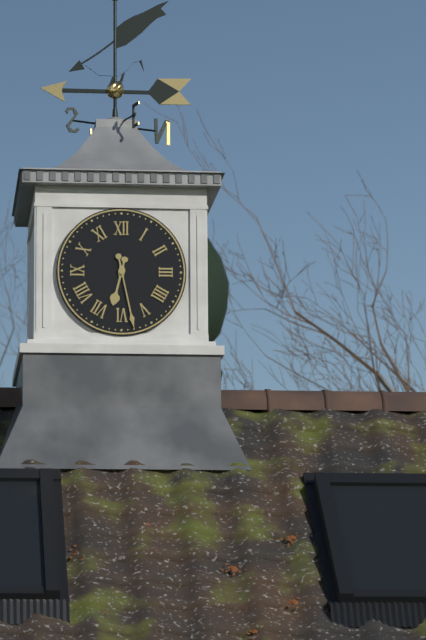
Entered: 6,28
